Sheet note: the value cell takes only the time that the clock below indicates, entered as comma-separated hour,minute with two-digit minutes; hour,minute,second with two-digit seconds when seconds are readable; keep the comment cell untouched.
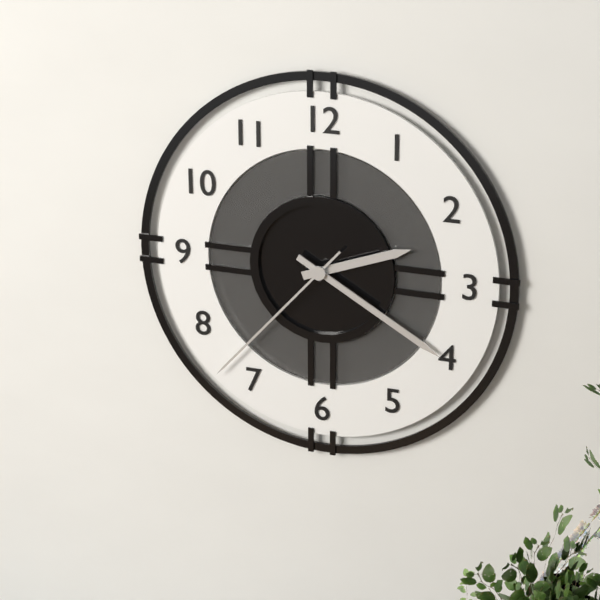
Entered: 2,20,37
